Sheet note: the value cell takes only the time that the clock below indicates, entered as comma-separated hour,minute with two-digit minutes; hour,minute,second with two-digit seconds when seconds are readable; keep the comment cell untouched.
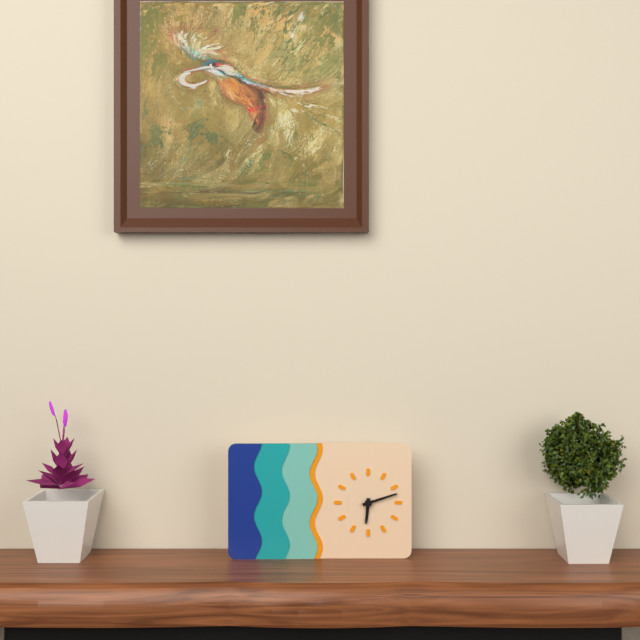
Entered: 6,12
